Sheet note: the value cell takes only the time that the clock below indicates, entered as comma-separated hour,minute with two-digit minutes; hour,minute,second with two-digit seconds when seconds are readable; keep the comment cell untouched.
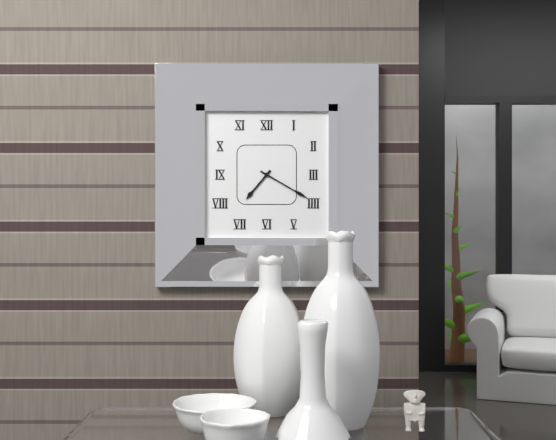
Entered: 7,20
